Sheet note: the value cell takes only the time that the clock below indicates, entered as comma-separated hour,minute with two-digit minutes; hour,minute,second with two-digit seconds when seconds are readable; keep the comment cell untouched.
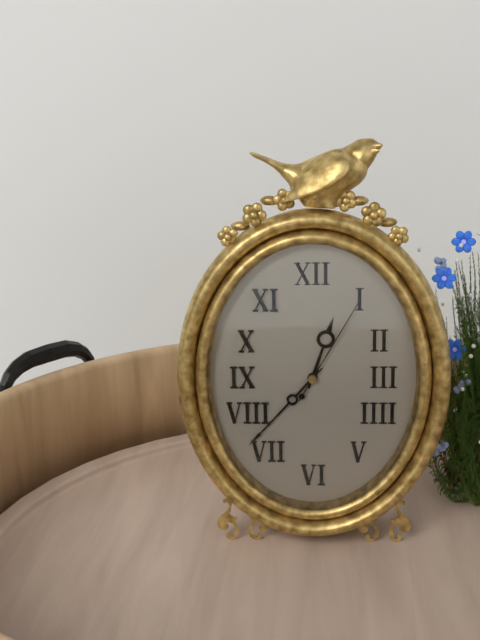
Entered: 12,37,05
